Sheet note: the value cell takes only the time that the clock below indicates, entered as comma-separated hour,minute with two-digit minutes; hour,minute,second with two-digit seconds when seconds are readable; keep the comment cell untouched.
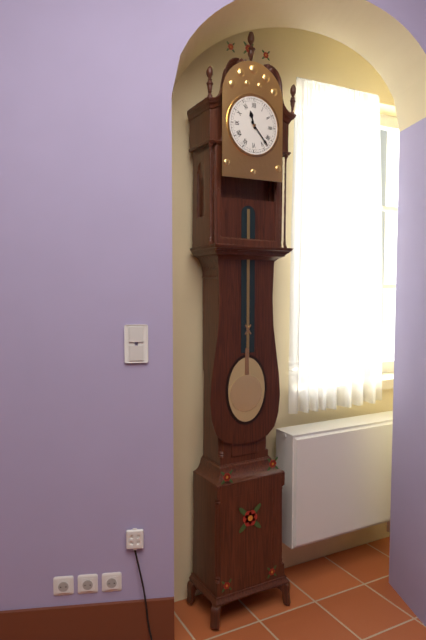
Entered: 11,23
